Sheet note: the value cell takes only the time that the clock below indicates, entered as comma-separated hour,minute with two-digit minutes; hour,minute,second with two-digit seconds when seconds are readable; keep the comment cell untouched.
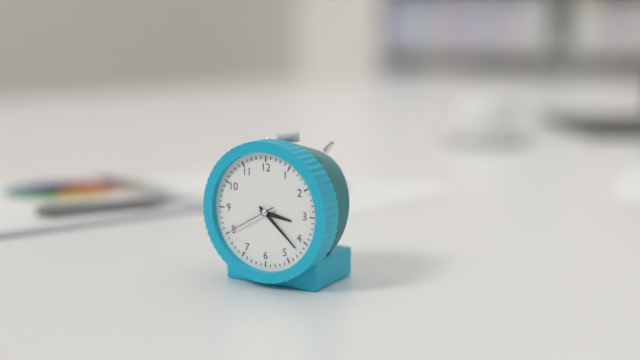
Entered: 3,22
